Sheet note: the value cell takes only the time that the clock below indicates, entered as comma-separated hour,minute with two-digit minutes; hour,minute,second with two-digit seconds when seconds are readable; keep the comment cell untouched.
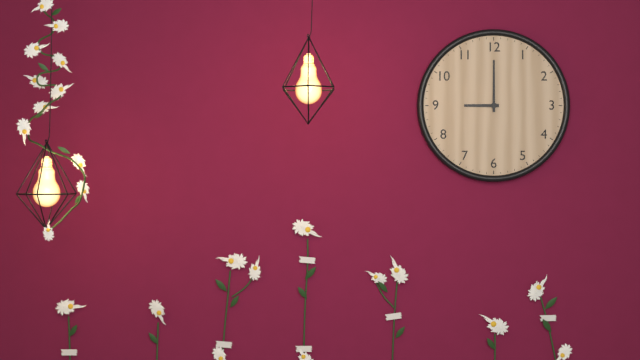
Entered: 9,00
